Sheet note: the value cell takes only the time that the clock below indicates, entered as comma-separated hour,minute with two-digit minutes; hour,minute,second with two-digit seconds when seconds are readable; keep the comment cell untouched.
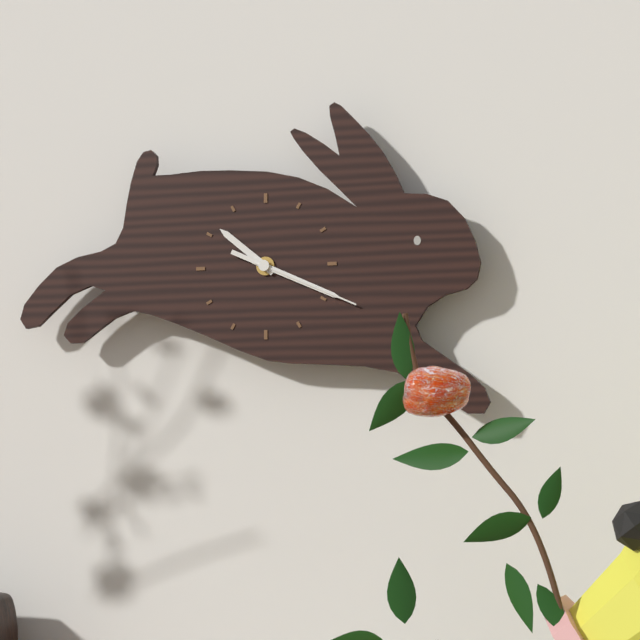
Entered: 10,19,19
